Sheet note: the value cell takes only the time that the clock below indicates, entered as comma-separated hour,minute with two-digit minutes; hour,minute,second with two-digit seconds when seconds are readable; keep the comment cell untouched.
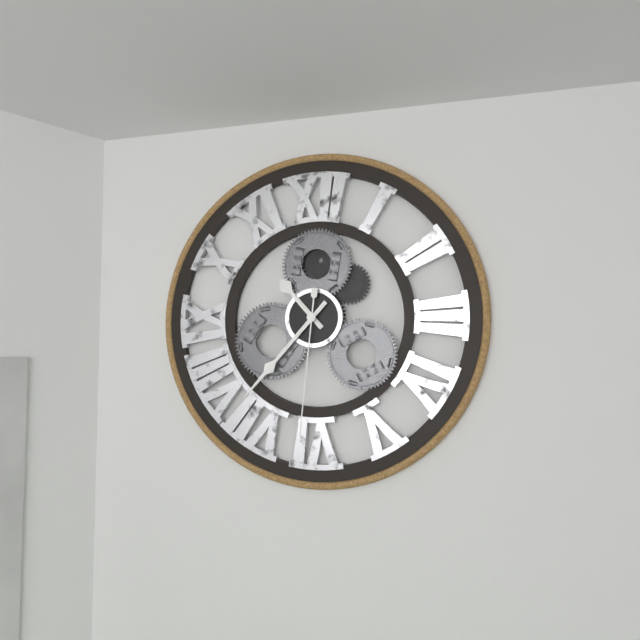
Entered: 10,37,31
